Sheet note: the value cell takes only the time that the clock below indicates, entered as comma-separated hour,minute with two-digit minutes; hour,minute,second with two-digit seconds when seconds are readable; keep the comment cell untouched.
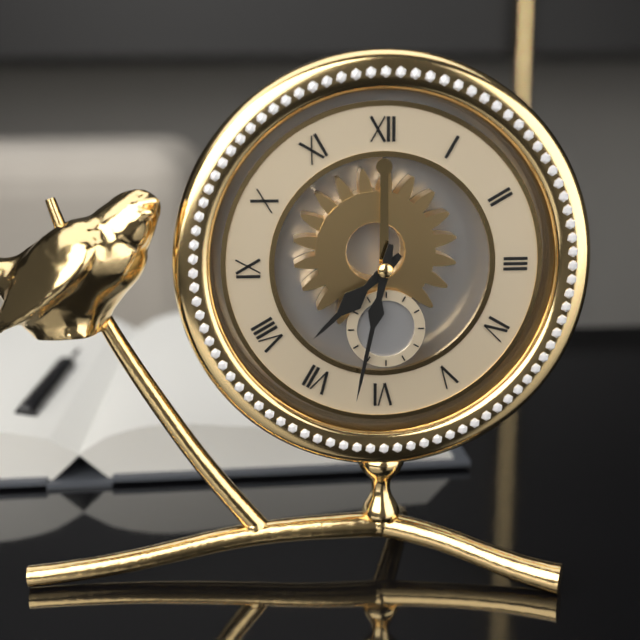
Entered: 7,32
